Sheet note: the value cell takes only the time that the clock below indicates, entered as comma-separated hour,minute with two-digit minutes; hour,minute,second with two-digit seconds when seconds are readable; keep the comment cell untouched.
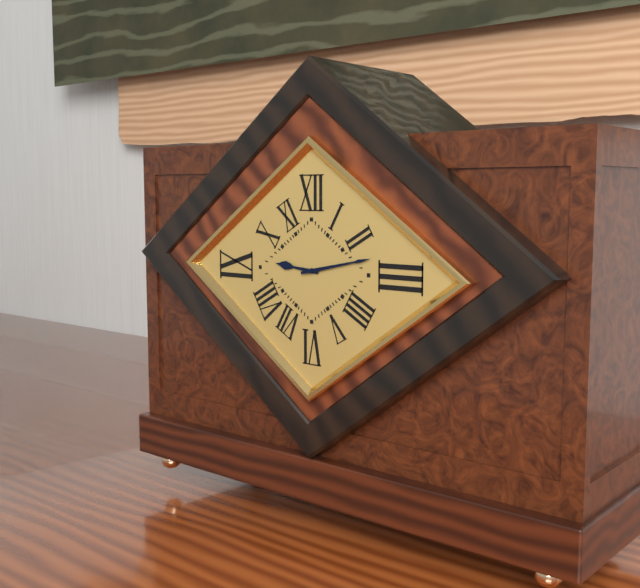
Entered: 9,13
